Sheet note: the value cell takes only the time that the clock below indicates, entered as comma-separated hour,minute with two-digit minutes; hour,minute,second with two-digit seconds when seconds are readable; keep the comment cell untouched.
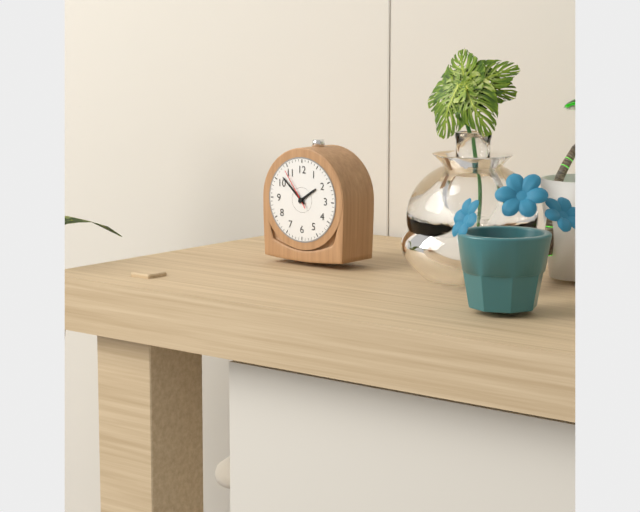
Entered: 1,52
